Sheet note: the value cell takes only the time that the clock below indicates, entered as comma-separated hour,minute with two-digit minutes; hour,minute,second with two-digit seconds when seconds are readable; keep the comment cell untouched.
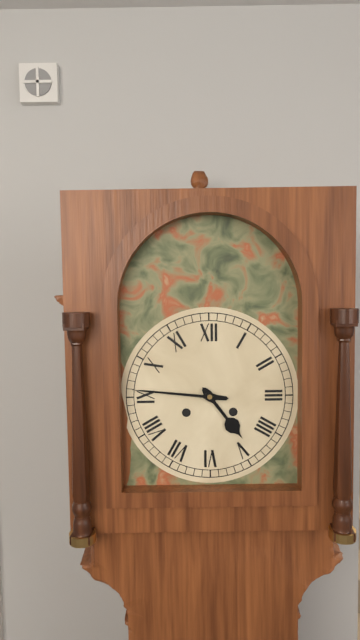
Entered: 4,46
